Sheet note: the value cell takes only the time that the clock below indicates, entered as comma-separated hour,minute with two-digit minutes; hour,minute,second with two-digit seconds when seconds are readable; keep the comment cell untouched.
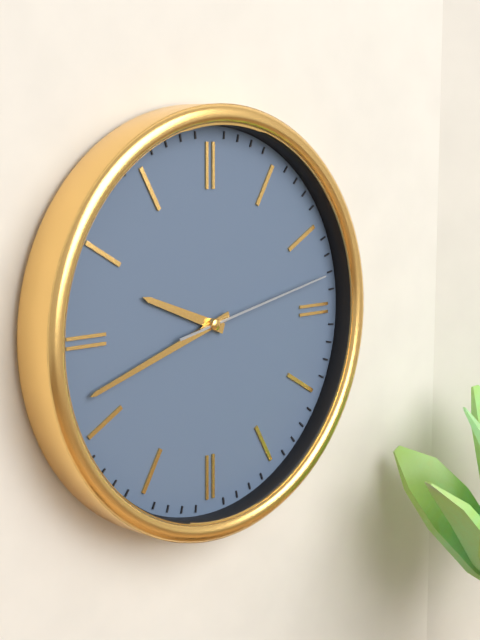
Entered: 9,42,13
